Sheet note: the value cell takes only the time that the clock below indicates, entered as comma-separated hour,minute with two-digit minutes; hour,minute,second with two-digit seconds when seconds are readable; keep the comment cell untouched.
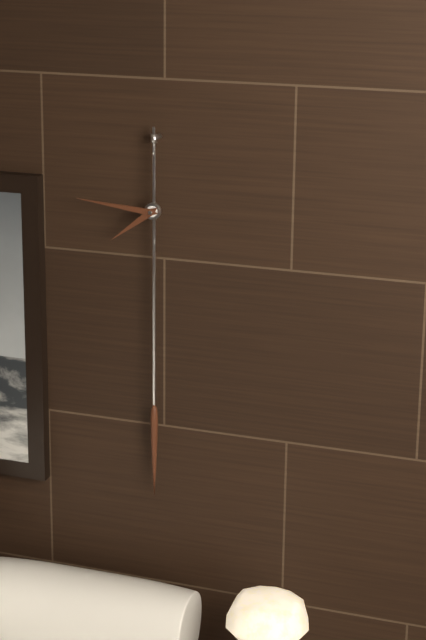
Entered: 7,46
